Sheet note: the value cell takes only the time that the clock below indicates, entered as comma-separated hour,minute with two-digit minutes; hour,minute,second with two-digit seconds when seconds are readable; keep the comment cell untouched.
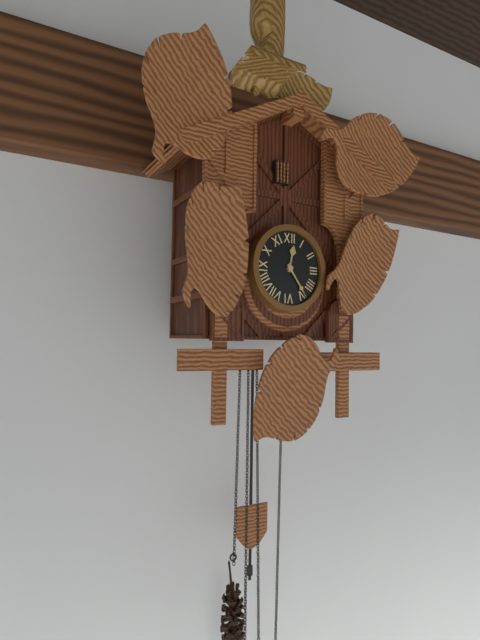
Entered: 12,24
